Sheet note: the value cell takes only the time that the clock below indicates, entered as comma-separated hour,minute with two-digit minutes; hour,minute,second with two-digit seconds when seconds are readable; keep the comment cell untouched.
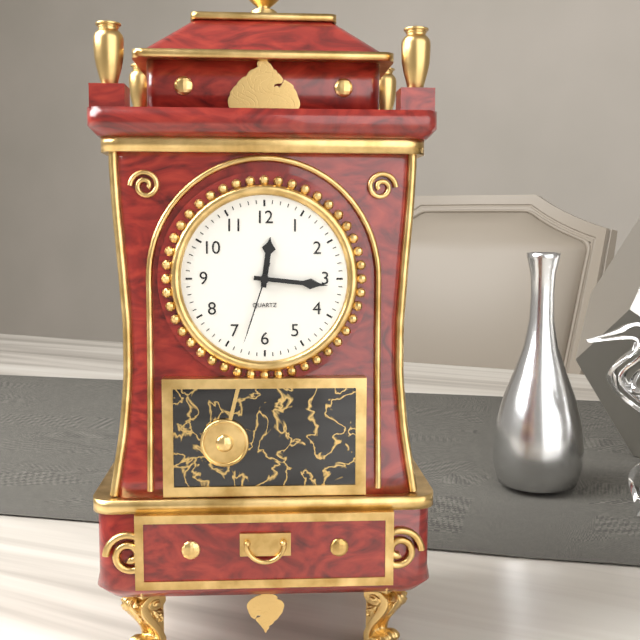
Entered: 12,16,33
